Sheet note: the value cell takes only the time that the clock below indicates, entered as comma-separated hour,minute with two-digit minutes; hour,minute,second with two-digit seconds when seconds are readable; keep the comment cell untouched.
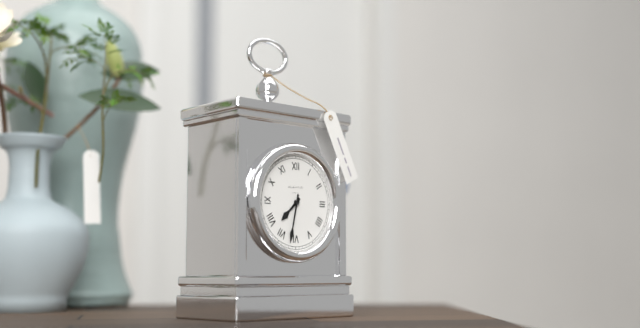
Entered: 7,32
